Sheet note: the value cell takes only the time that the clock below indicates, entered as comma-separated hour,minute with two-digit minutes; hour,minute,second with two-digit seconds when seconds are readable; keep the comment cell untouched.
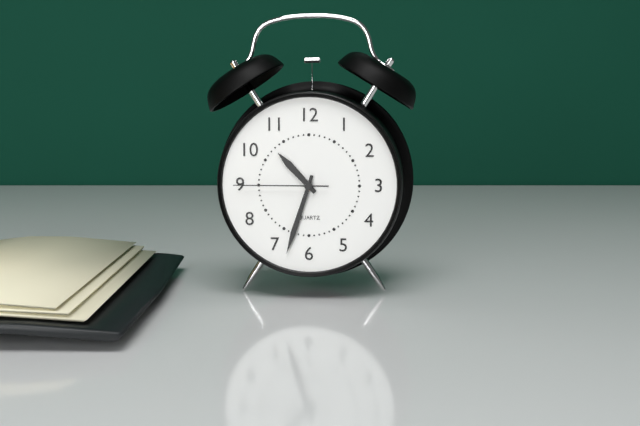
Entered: 10,33,45
